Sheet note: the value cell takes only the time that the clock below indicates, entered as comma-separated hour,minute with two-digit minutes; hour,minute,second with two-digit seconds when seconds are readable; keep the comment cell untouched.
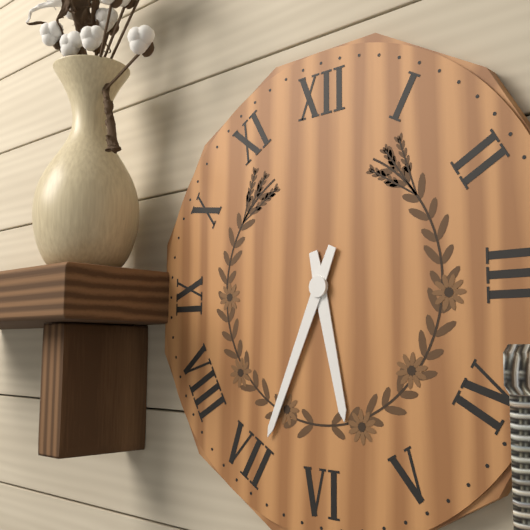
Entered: 5,34
